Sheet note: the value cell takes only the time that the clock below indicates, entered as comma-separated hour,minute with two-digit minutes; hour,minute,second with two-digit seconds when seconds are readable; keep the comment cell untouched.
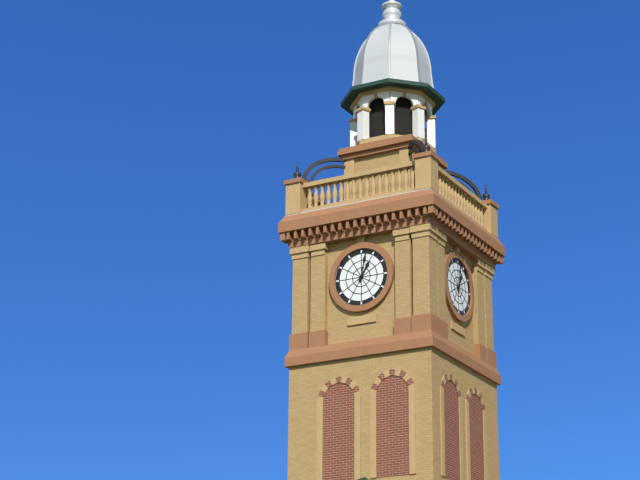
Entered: 1,02
